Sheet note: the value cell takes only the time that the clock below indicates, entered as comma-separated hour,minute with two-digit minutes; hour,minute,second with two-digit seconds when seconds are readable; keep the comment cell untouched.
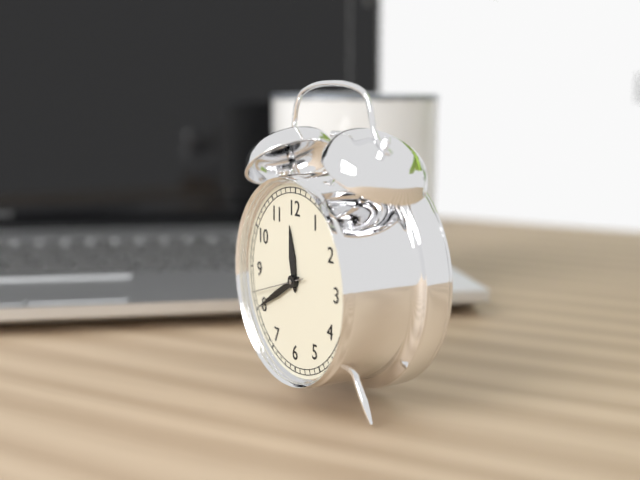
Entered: 11,40
